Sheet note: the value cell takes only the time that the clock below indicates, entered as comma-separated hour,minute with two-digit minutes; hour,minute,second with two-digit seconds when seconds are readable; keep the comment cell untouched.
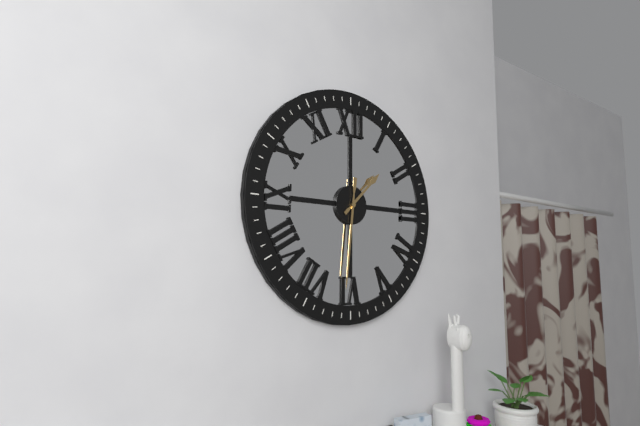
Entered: 1,31
